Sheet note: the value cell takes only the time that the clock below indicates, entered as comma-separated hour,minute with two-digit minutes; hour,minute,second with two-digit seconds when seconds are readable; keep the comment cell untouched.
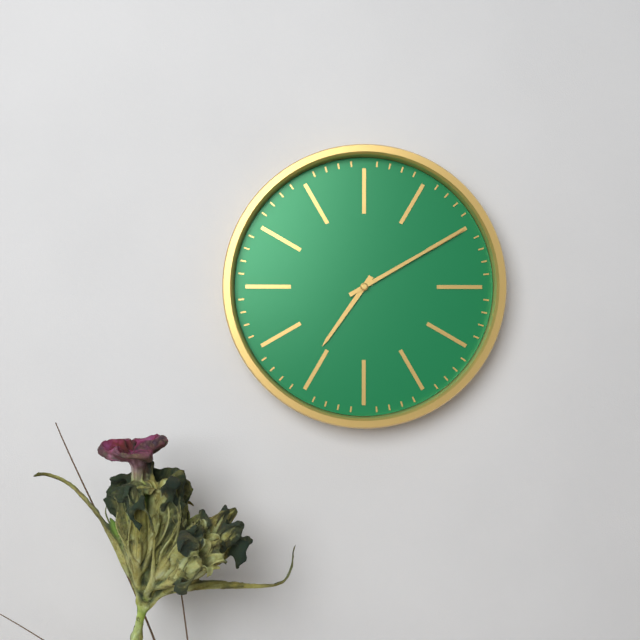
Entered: 7,10
